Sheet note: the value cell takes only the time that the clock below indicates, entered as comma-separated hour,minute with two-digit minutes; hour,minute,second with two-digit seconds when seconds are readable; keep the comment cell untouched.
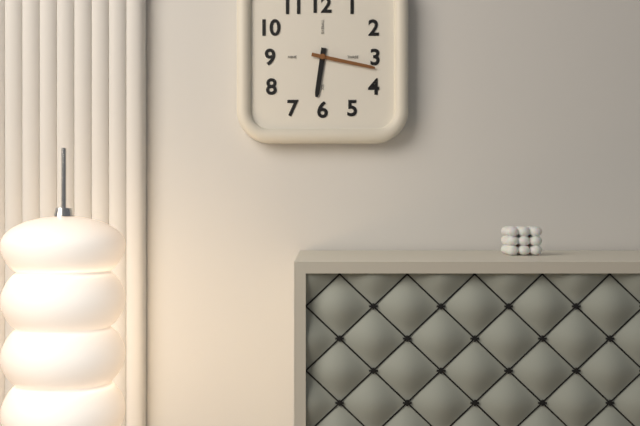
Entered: 6,17
